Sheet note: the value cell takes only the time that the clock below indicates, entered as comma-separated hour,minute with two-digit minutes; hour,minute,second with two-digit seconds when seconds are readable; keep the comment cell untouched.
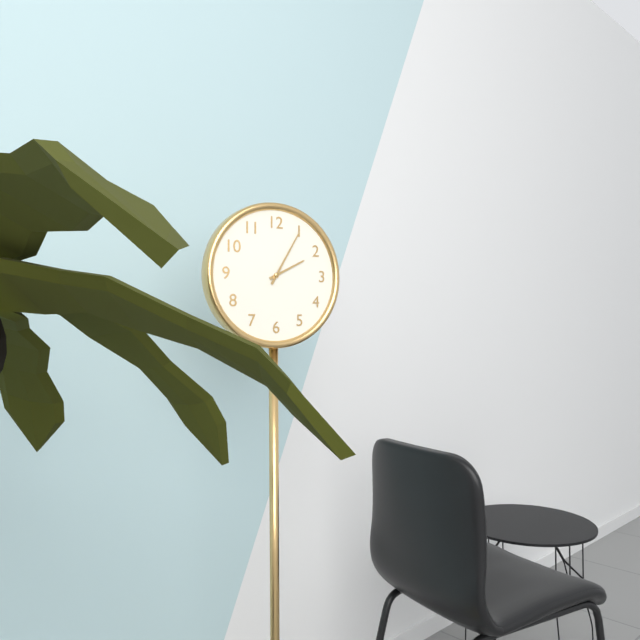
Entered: 2,05
